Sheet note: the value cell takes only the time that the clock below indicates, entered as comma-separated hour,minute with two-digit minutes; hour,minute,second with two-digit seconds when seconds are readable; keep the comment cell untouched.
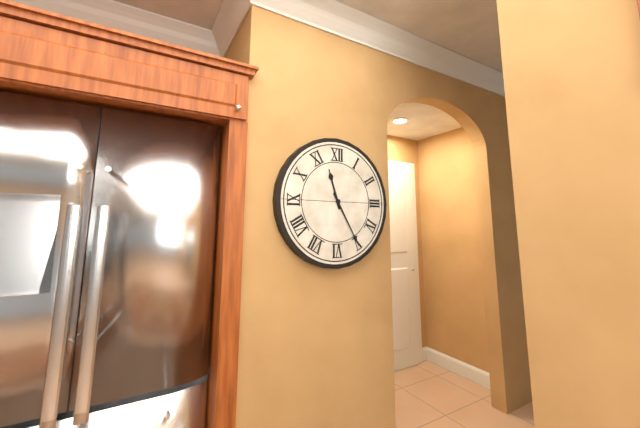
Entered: 11,25
